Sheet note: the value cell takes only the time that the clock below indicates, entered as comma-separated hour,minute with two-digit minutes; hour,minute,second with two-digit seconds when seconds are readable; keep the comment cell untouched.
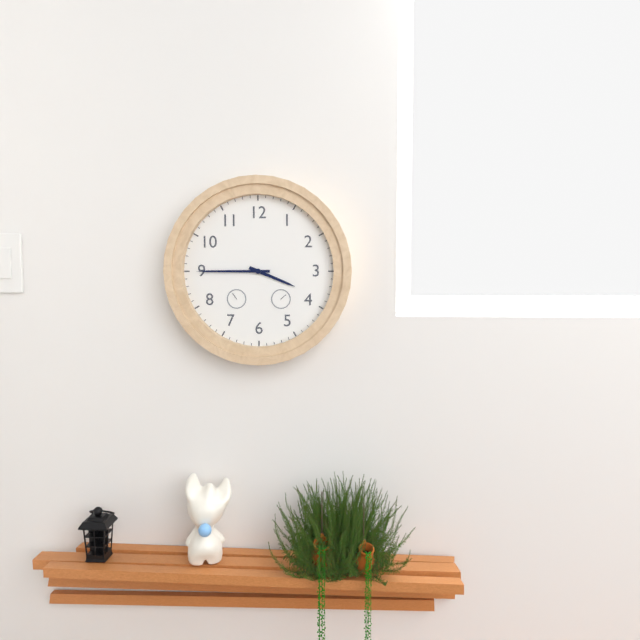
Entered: 3,45
